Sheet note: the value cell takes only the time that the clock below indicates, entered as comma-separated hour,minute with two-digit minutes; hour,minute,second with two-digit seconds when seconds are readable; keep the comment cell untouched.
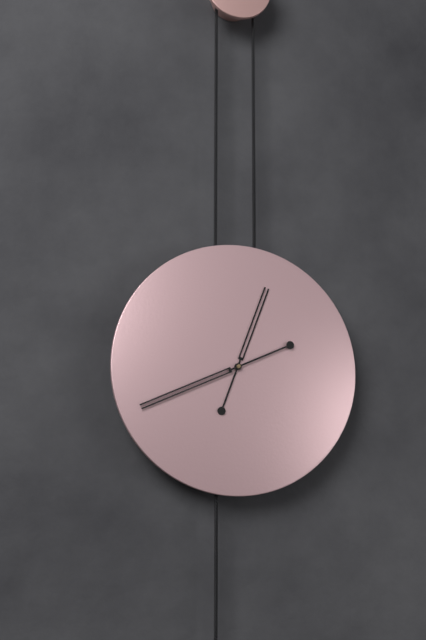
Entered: 12,41
